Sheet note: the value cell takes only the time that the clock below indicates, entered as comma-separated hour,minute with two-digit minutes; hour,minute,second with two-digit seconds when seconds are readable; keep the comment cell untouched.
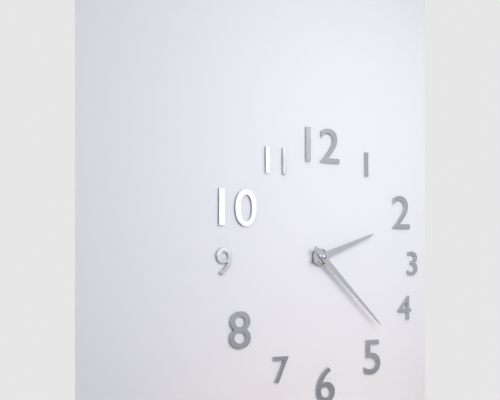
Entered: 2,22
